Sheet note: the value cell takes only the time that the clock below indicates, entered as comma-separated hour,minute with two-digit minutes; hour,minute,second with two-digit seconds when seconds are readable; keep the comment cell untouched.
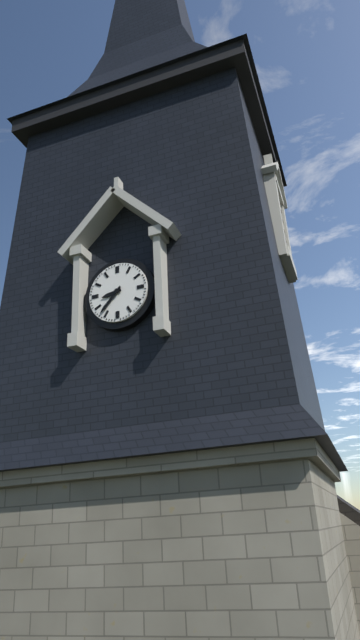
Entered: 8,37
